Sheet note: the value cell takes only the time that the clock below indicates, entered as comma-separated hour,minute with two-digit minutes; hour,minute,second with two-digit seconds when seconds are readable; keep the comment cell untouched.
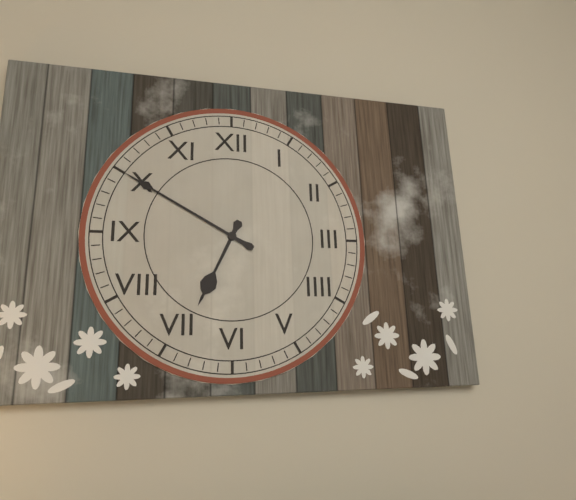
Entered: 6,50
